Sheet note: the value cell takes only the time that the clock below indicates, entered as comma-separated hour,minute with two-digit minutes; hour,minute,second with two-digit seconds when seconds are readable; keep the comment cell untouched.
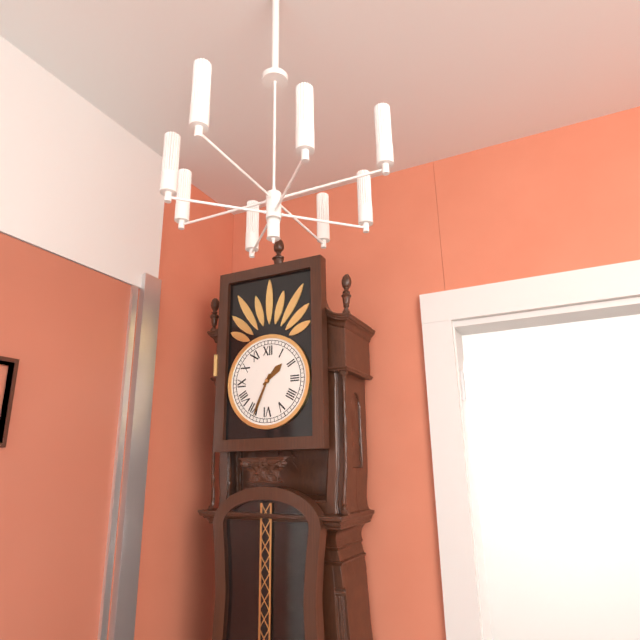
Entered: 1,34
